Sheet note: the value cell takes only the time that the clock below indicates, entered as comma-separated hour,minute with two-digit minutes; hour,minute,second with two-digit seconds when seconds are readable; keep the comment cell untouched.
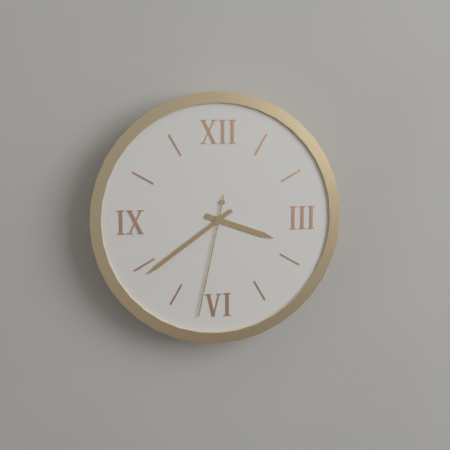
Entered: 3,39,32
